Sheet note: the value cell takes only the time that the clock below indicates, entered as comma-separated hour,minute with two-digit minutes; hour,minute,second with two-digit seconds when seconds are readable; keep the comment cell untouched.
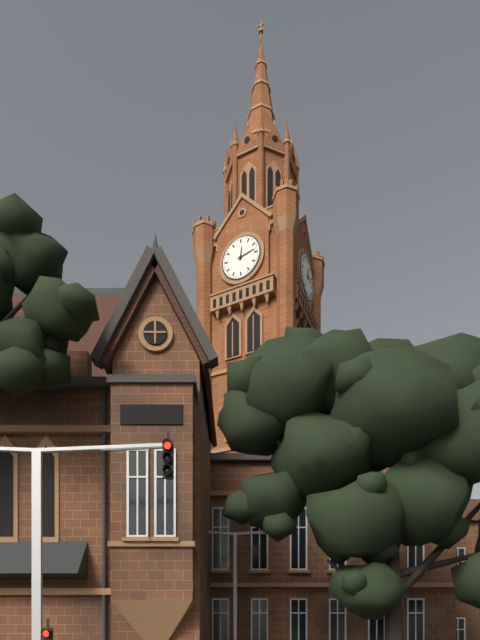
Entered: 12,13
